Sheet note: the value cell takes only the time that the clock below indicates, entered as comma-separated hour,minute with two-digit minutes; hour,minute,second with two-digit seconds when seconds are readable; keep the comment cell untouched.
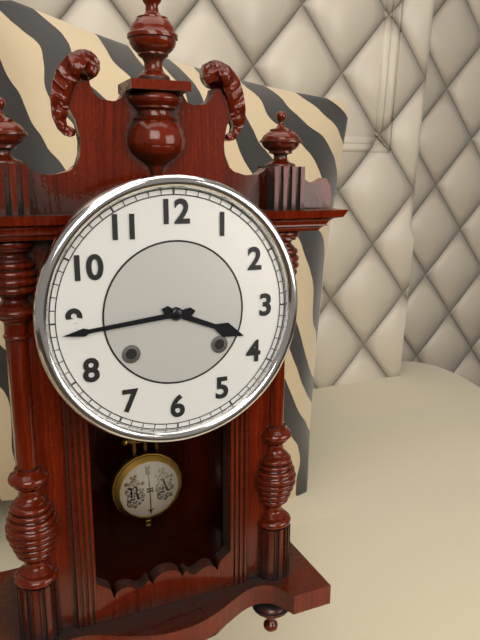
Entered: 3,44
